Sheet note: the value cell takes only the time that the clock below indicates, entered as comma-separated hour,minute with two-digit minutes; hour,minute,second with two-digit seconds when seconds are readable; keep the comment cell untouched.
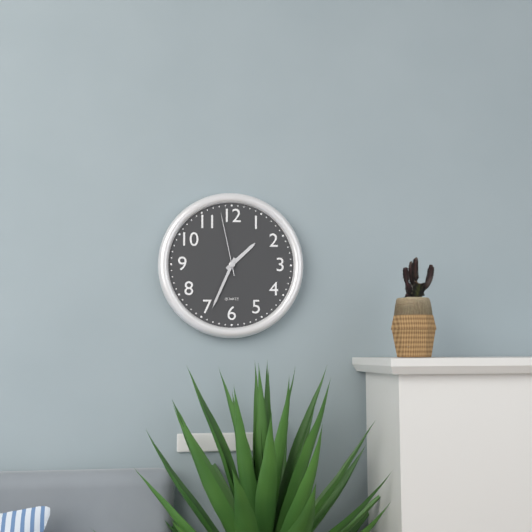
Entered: 1,34,58
